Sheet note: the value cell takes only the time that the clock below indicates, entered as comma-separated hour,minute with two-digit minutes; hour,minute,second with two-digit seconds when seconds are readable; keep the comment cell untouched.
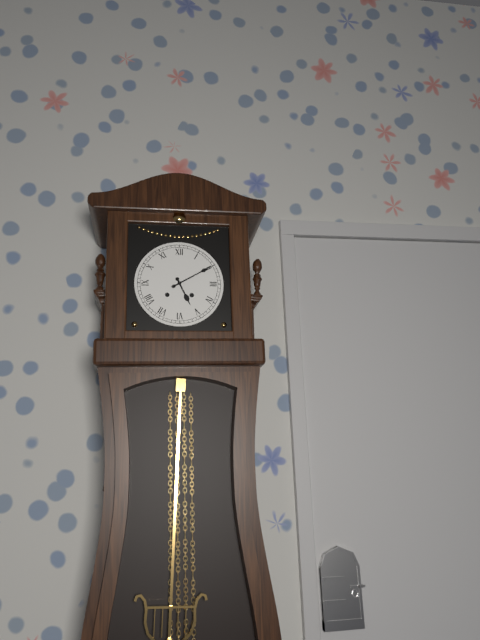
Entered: 5,10
